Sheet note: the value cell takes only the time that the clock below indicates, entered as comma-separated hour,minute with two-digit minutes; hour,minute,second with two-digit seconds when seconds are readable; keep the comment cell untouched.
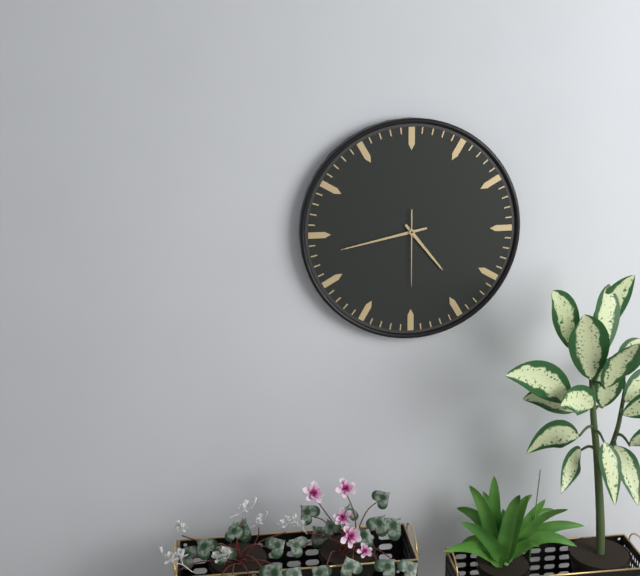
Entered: 4,43,30
